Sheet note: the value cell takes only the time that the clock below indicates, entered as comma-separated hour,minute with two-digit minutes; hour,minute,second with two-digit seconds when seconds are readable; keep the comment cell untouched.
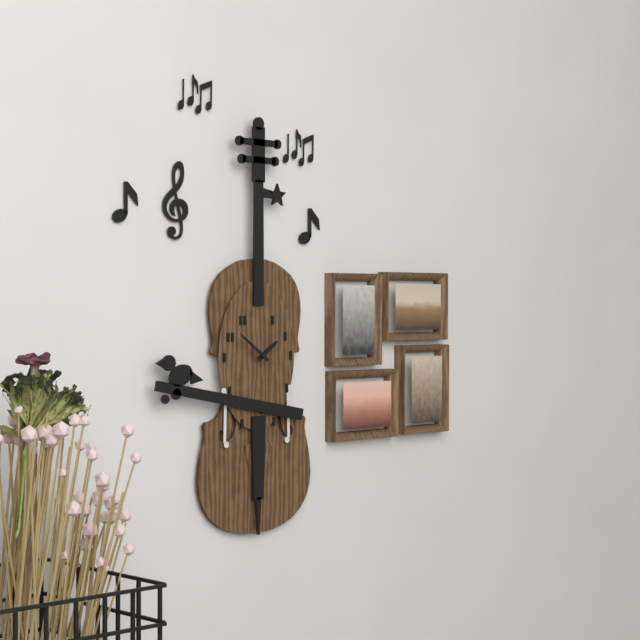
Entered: 1,51
